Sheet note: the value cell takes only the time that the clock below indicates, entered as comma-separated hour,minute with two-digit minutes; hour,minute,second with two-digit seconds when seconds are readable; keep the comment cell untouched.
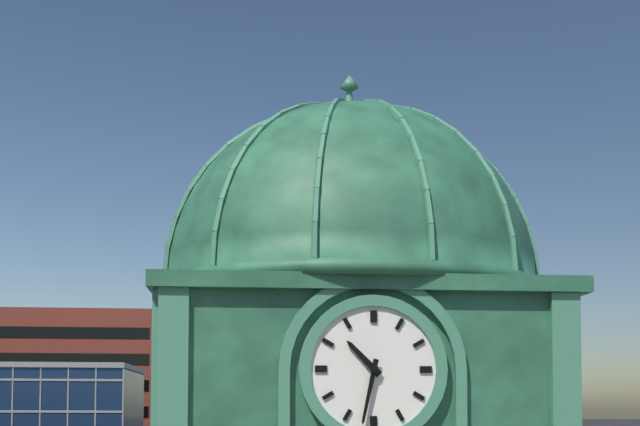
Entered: 10,32
